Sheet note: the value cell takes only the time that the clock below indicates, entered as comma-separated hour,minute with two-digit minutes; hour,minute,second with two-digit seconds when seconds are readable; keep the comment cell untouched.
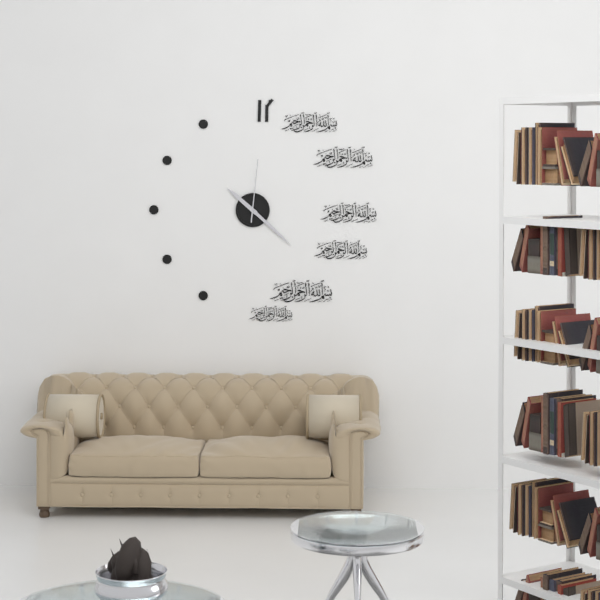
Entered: 10,22,01
